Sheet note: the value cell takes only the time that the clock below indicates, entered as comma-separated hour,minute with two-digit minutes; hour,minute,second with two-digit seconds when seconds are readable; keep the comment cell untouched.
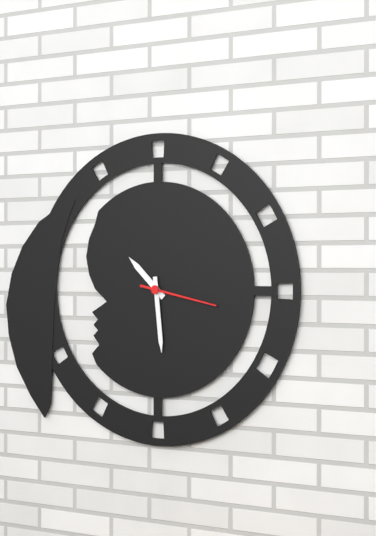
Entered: 10,29,17
